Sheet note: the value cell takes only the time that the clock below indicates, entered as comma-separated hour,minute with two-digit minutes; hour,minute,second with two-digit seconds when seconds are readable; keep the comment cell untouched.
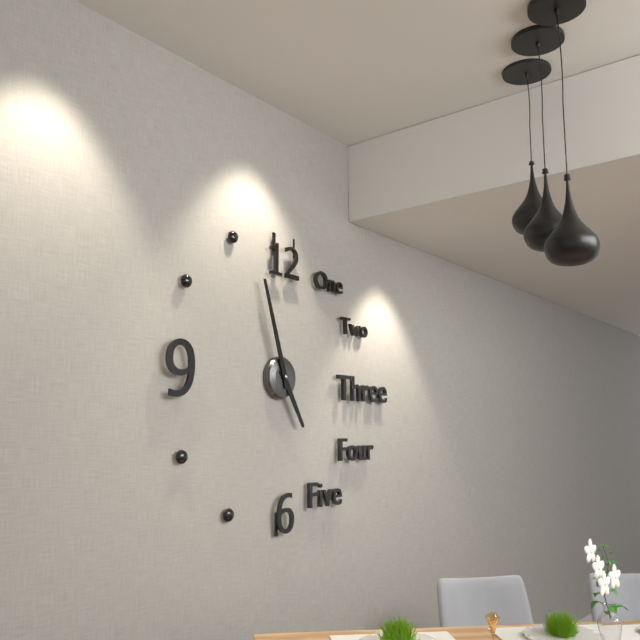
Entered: 4,57
